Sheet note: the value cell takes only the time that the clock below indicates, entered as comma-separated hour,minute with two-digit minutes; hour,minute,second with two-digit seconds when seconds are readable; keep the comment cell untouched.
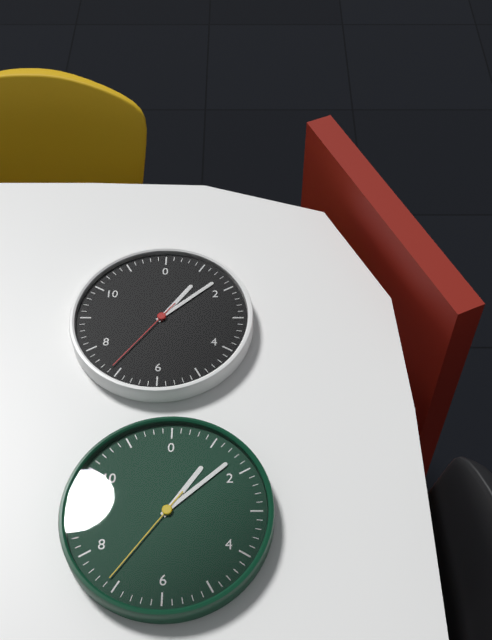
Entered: 1,08,36
